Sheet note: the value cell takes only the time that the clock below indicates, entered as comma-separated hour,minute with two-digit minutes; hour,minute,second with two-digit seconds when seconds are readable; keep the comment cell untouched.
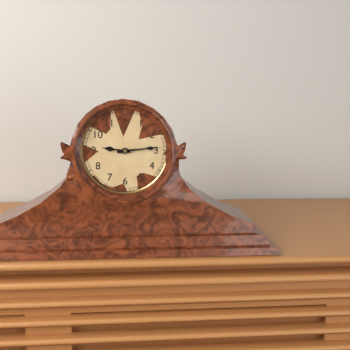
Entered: 9,14
